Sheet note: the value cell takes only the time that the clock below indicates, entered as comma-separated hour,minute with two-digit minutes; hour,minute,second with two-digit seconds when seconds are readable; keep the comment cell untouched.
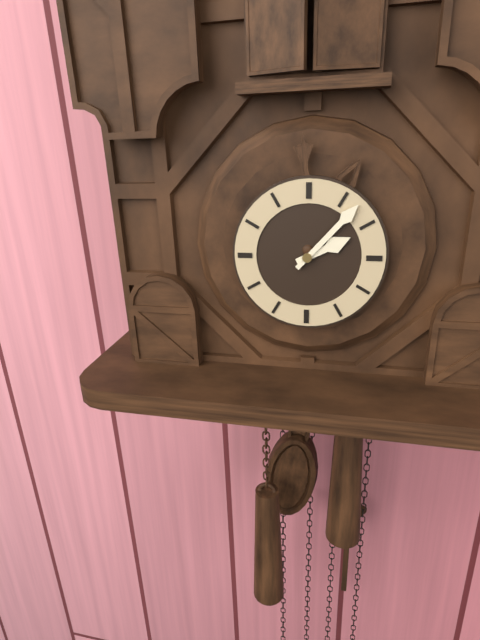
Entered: 2,07
